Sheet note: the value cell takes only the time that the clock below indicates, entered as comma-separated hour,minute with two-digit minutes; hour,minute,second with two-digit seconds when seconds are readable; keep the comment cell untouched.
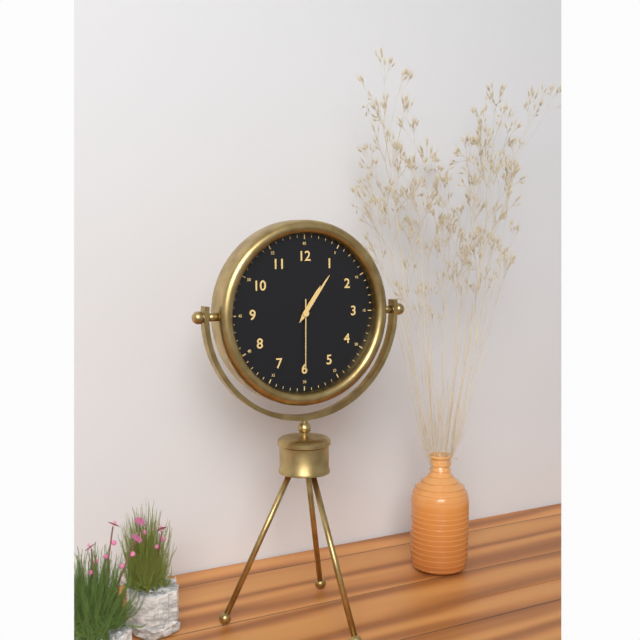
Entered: 1,06,30
